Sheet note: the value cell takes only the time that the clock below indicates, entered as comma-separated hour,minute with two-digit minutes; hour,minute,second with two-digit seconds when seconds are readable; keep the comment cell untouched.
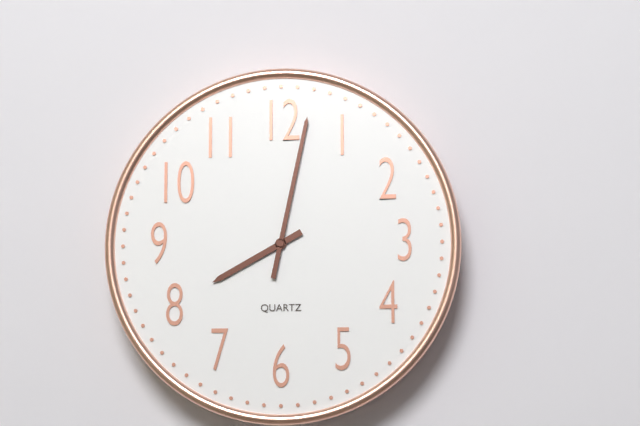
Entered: 8,02
